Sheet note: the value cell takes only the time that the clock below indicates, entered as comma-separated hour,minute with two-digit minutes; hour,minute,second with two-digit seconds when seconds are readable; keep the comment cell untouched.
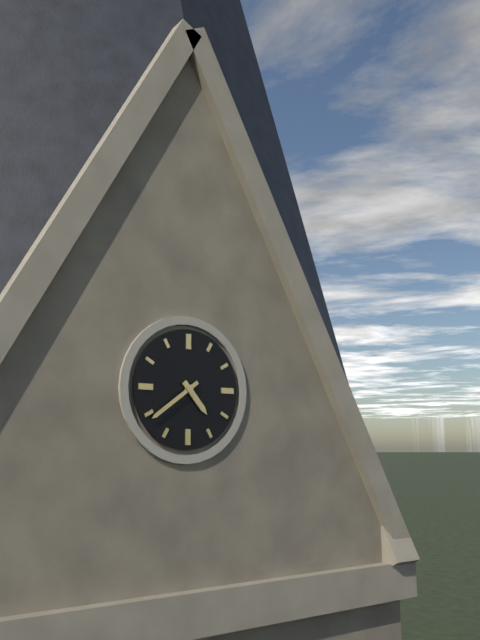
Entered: 4,39
